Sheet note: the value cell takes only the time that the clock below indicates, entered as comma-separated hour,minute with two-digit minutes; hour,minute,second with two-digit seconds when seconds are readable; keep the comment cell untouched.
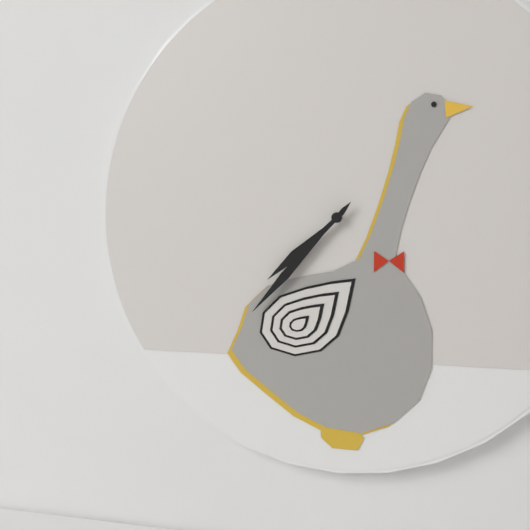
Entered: 7,37
